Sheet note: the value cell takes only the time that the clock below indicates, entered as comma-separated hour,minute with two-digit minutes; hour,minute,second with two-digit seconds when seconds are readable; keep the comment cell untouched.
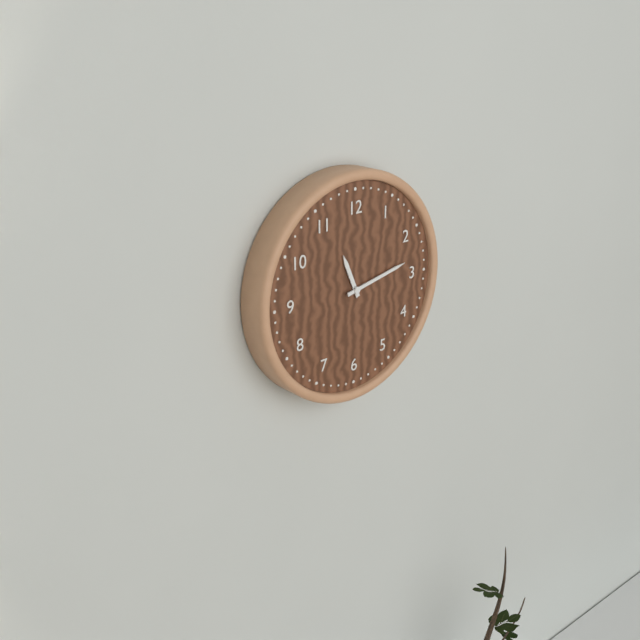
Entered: 11,13
